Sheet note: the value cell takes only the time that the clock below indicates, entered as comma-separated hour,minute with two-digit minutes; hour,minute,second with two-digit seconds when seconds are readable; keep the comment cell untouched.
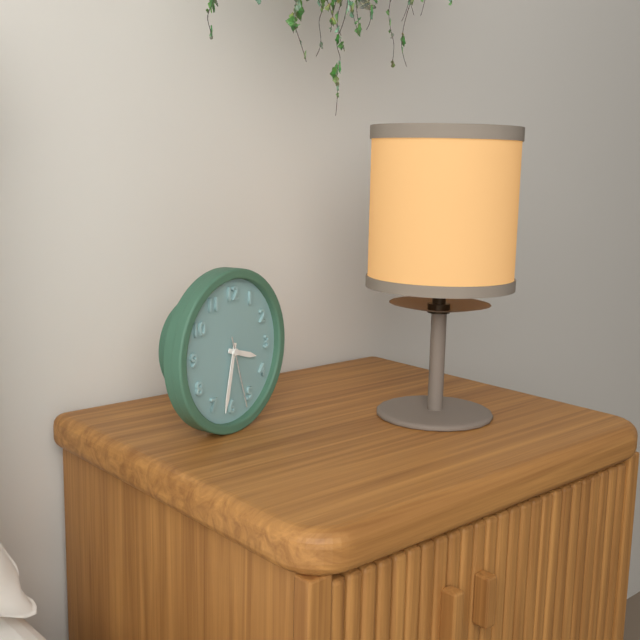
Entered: 3,32,27
